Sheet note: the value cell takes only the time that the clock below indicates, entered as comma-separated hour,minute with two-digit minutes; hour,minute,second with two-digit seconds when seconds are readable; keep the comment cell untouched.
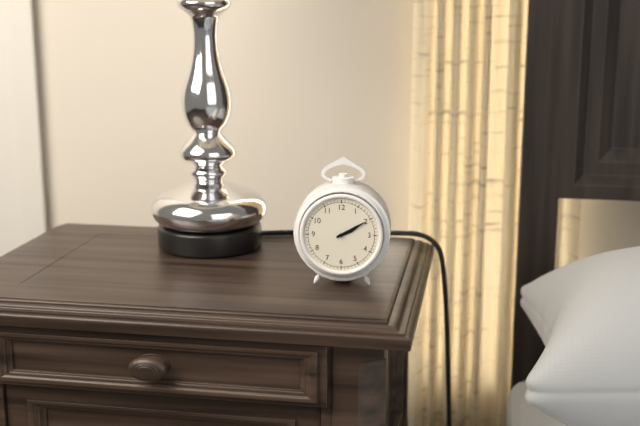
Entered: 2,10
